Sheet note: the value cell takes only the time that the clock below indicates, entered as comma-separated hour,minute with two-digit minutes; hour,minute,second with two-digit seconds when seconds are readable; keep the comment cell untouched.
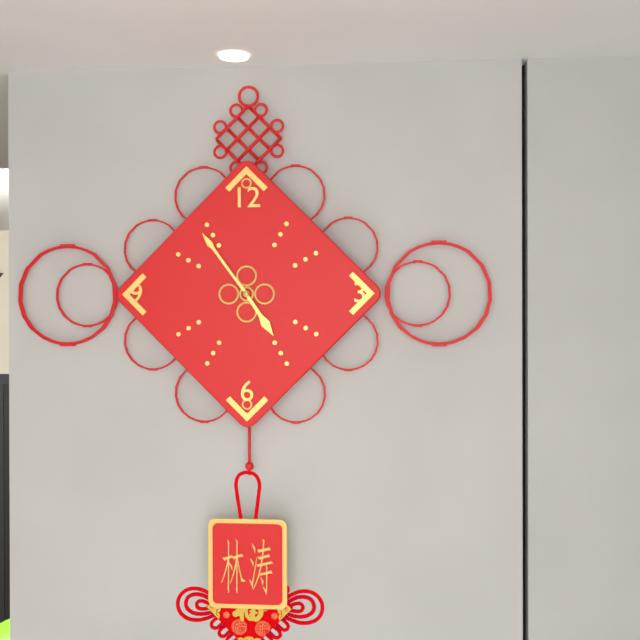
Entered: 4,54
